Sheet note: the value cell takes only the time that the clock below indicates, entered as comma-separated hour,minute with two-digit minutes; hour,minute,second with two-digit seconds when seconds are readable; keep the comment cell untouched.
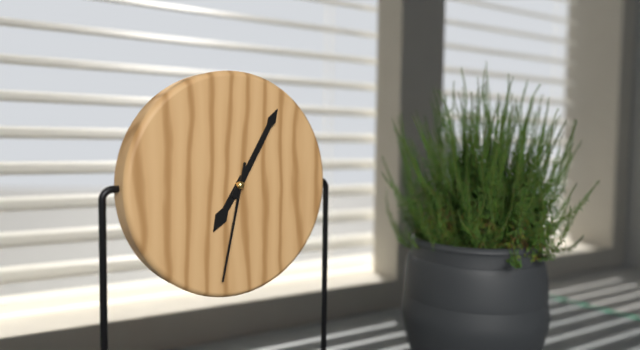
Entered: 7,05,32
